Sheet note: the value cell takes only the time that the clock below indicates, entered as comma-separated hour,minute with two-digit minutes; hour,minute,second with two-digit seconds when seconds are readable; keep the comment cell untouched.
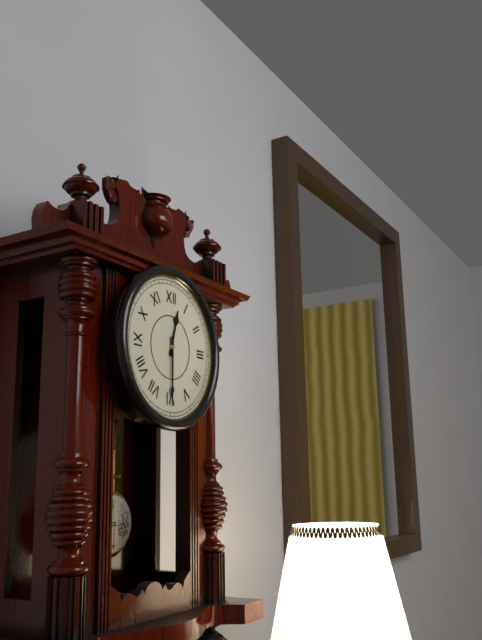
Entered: 12,30
